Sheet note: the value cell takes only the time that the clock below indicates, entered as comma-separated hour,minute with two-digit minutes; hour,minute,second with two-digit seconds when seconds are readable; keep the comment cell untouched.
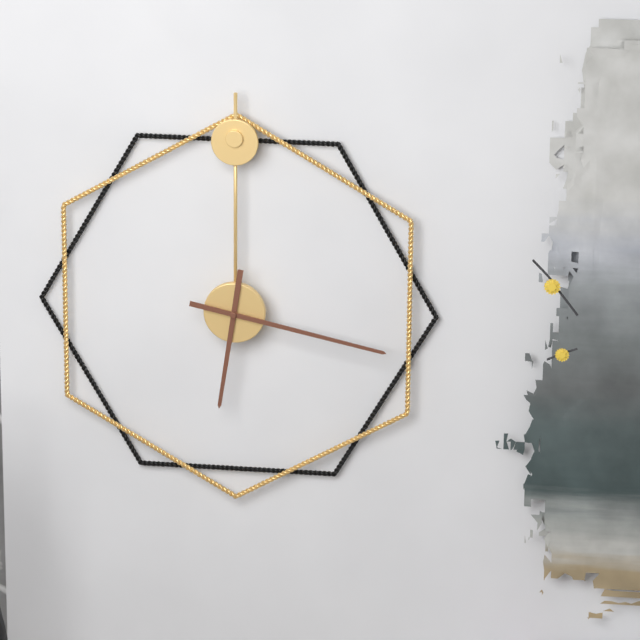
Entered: 6,17
